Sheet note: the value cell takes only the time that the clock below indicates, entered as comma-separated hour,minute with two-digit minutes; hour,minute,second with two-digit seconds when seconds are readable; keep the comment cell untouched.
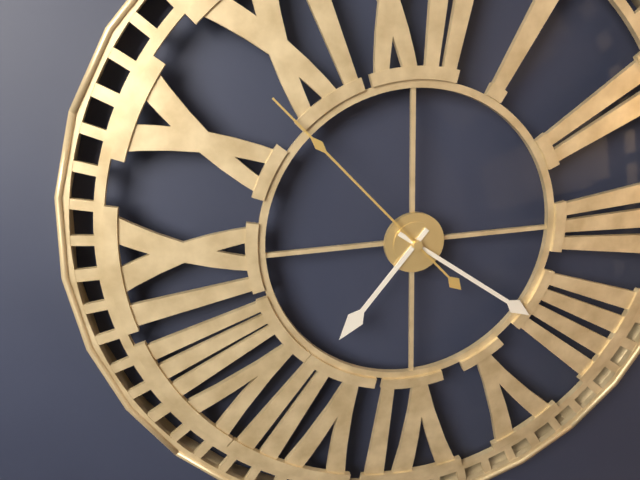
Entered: 7,21,53
